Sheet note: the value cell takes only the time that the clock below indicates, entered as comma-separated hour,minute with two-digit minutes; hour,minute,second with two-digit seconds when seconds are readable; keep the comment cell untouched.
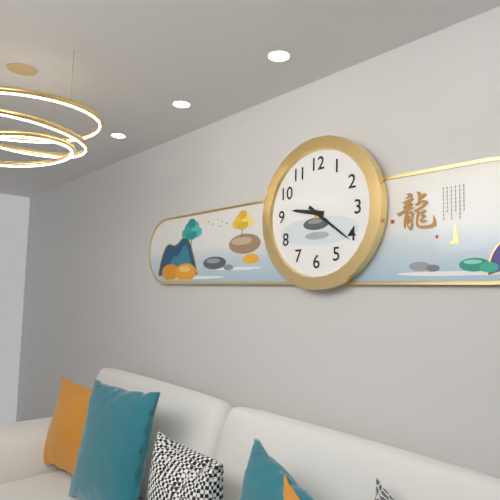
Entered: 9,21
